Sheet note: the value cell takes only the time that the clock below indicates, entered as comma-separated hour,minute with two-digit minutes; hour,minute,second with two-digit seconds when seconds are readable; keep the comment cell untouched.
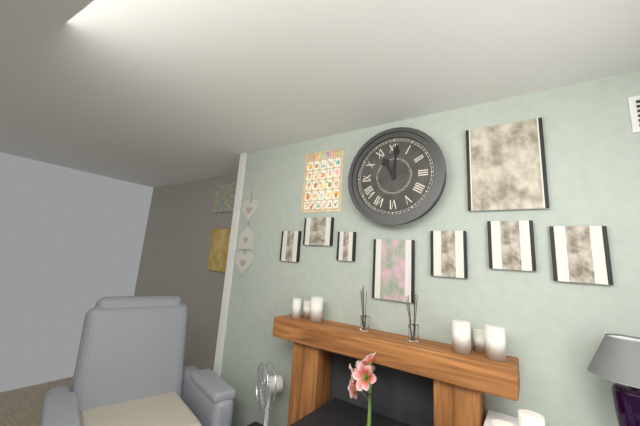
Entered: 11,01
